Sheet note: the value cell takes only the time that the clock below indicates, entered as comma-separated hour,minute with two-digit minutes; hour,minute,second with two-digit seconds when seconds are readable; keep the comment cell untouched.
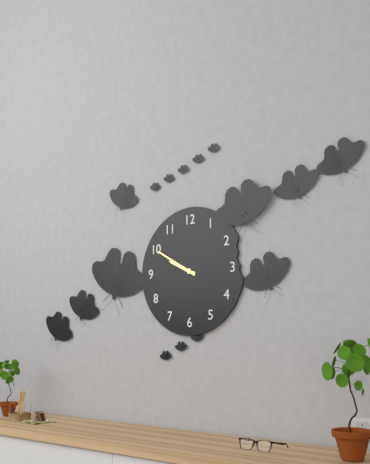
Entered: 9,50
